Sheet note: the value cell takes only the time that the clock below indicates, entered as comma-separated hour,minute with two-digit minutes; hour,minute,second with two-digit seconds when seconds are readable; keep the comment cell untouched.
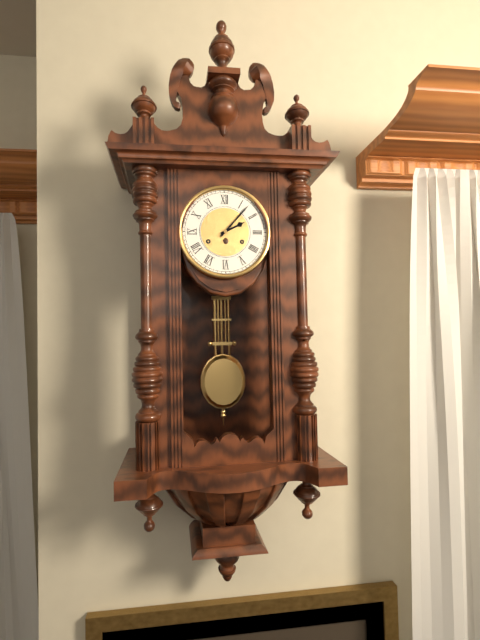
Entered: 2,07
